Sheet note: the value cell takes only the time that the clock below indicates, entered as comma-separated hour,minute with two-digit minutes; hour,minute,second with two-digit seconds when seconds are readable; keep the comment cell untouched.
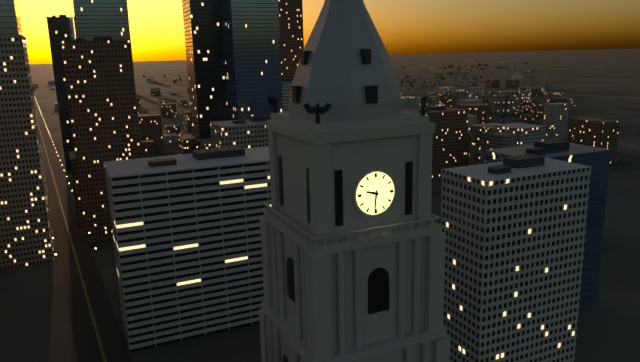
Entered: 9,31
